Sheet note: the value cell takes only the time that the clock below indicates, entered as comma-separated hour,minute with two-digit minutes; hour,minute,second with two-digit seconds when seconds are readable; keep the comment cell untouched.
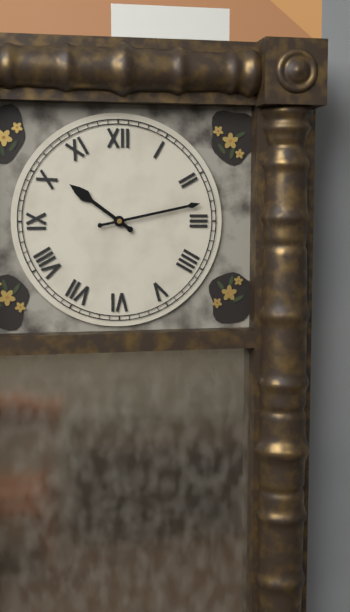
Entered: 10,13
